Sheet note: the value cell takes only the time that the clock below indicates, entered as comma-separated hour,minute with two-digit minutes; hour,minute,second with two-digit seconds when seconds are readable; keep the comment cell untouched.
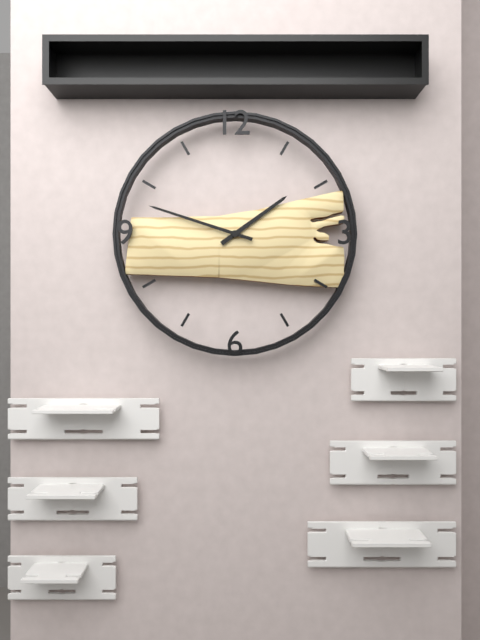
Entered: 1,48
